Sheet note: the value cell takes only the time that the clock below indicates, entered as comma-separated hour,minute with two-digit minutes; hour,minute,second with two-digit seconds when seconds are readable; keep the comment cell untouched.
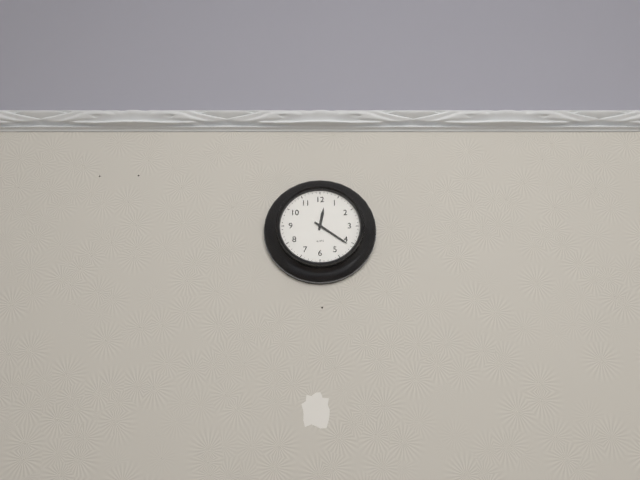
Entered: 12,21
